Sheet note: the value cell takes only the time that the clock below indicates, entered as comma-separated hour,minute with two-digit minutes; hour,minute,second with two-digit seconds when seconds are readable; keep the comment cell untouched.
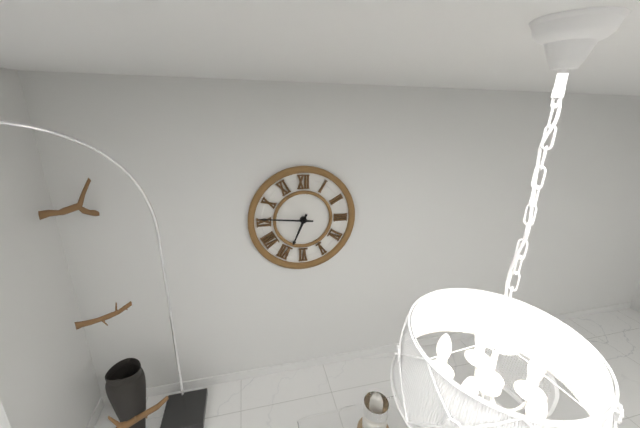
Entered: 6,46
